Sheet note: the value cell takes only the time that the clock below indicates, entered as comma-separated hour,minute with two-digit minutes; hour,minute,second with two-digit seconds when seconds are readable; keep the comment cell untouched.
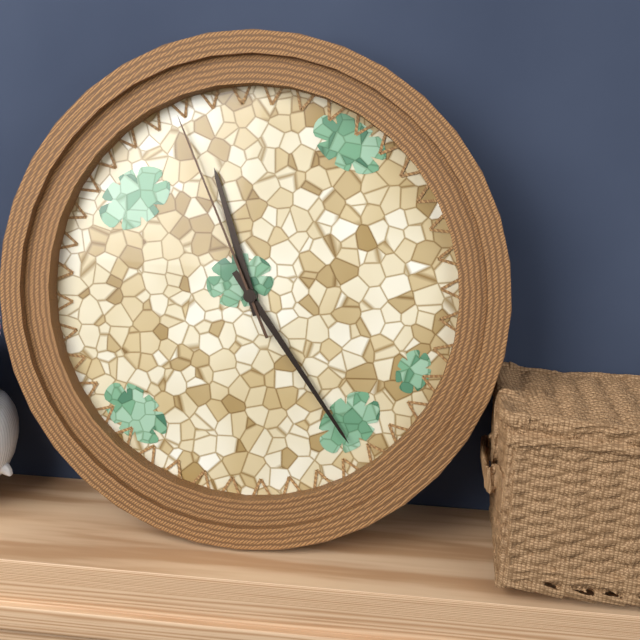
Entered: 11,24,56
